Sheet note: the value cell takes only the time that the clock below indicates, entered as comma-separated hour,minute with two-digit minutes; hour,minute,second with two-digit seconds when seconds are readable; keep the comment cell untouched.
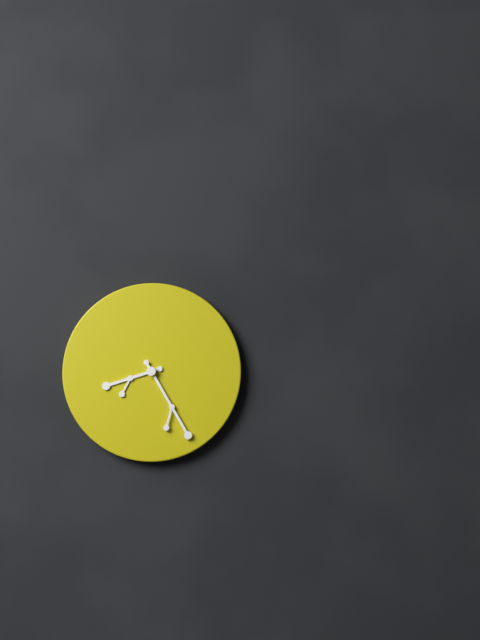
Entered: 8,25
